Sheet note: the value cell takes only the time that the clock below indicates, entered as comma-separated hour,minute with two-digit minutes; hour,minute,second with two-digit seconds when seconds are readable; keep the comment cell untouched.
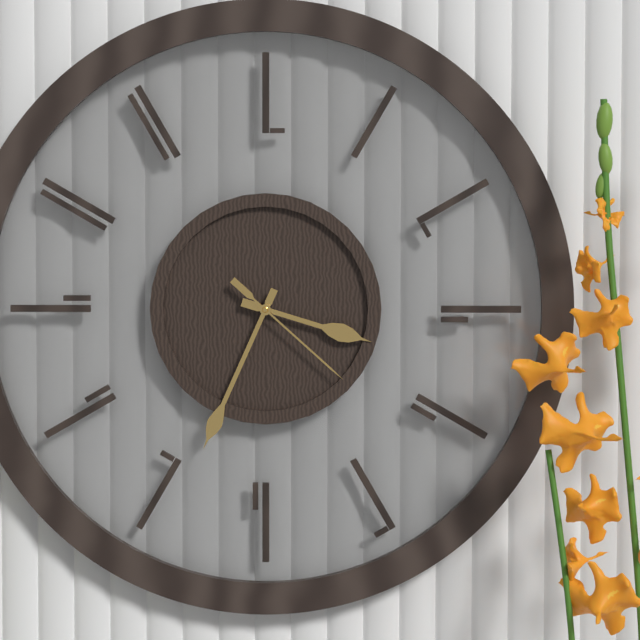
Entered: 3,34,22
